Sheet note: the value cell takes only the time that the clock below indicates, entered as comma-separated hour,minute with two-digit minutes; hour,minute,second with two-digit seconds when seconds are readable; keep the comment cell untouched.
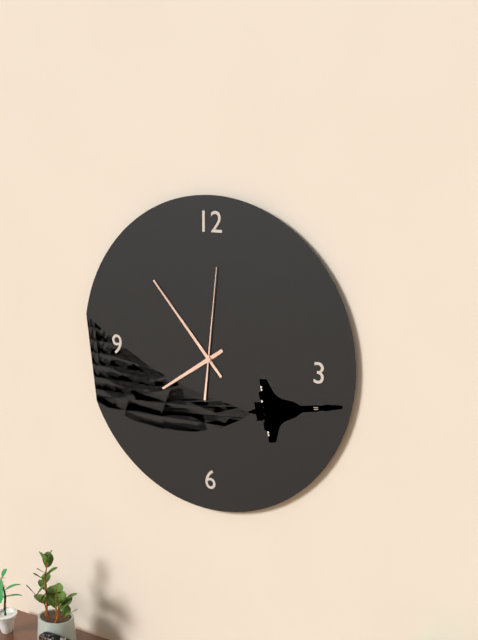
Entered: 7,53,01
